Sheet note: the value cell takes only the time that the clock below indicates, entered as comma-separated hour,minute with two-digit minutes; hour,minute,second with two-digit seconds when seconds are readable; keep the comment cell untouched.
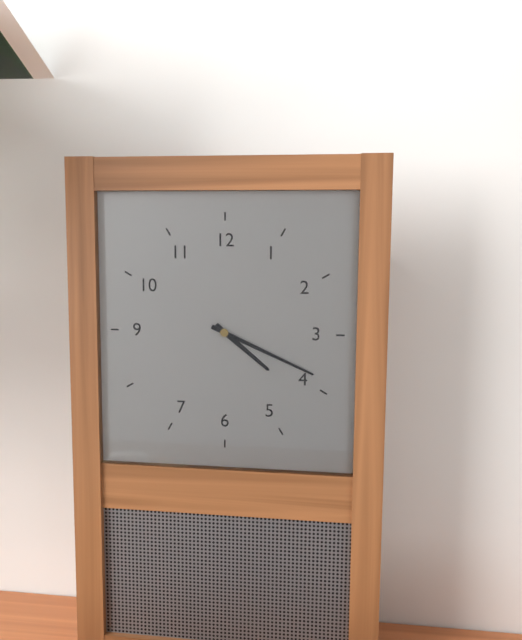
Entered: 4,19
